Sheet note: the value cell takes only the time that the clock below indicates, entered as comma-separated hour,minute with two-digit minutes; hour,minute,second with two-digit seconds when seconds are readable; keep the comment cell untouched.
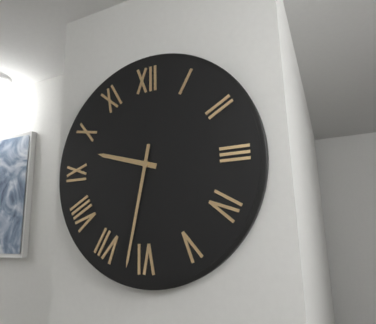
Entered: 9,32
